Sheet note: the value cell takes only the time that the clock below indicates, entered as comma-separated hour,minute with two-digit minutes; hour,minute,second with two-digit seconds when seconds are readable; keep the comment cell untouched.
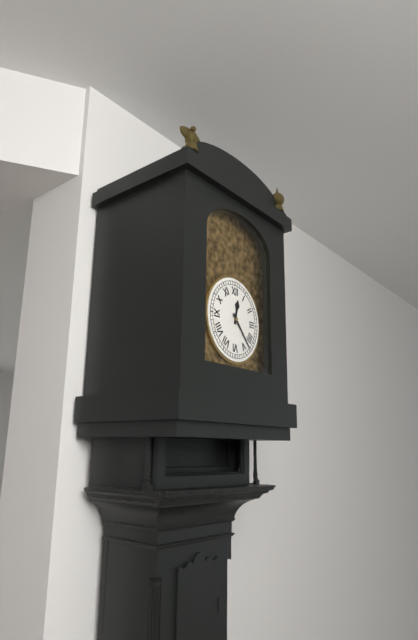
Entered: 12,23
